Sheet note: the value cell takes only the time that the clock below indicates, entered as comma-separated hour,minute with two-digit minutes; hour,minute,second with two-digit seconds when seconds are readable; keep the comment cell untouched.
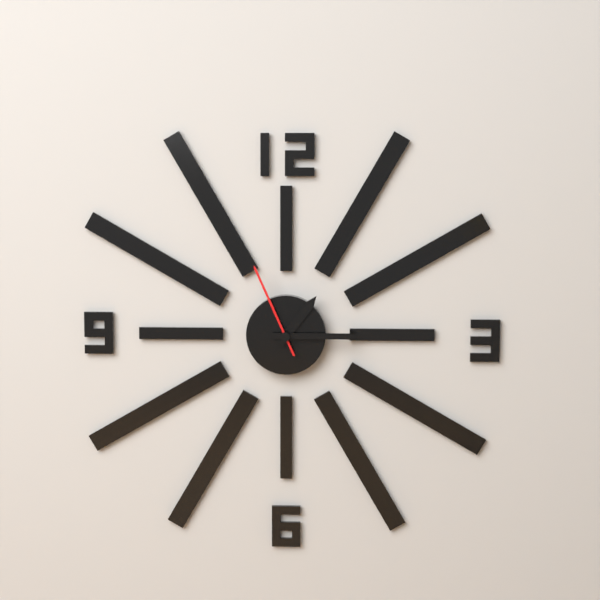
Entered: 1,15,56
